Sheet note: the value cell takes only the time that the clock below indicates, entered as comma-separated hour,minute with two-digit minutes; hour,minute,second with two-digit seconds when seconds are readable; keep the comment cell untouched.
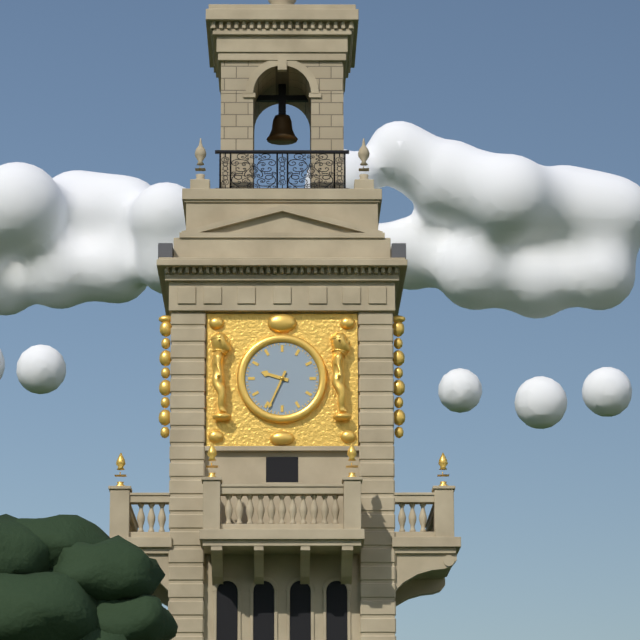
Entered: 9,34
